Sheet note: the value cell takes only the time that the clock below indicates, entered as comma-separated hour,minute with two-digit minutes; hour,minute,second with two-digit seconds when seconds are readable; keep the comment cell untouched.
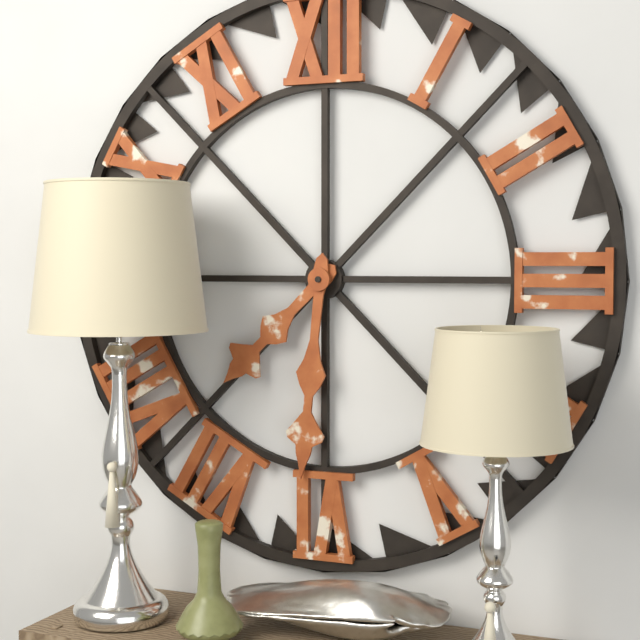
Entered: 7,31
